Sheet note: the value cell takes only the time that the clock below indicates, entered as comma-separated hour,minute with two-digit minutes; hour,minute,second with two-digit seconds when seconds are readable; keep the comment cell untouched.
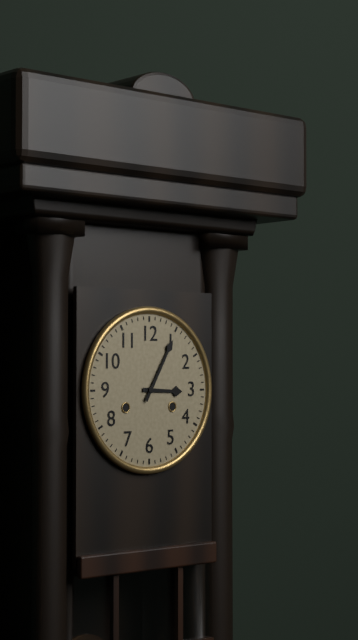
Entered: 3,05
